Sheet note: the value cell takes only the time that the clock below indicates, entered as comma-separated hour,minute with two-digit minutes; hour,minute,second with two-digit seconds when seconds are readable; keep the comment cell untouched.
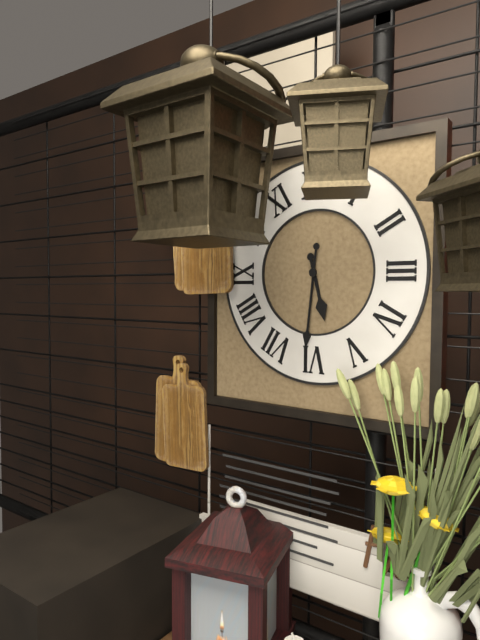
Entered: 5,31
